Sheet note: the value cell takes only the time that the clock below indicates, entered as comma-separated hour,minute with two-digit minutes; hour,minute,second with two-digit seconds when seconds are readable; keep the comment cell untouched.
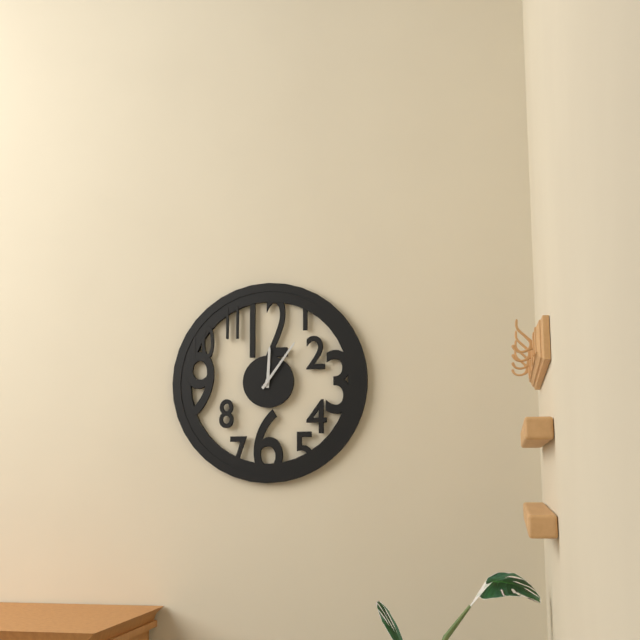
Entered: 12,06
